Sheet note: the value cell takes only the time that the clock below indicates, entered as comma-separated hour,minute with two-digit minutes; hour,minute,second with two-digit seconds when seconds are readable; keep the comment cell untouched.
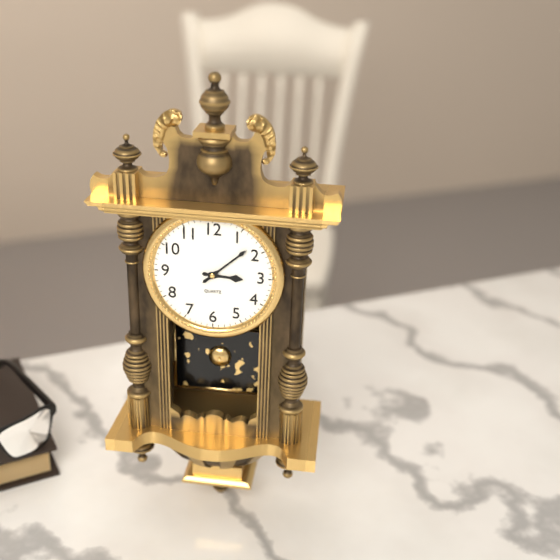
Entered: 3,08
